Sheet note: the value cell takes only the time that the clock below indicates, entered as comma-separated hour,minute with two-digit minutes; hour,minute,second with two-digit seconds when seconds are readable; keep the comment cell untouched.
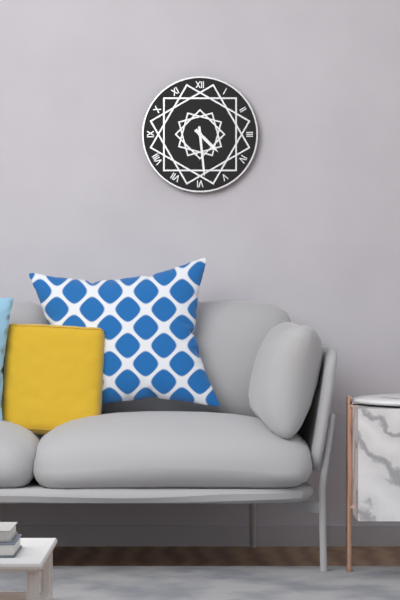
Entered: 4,29
